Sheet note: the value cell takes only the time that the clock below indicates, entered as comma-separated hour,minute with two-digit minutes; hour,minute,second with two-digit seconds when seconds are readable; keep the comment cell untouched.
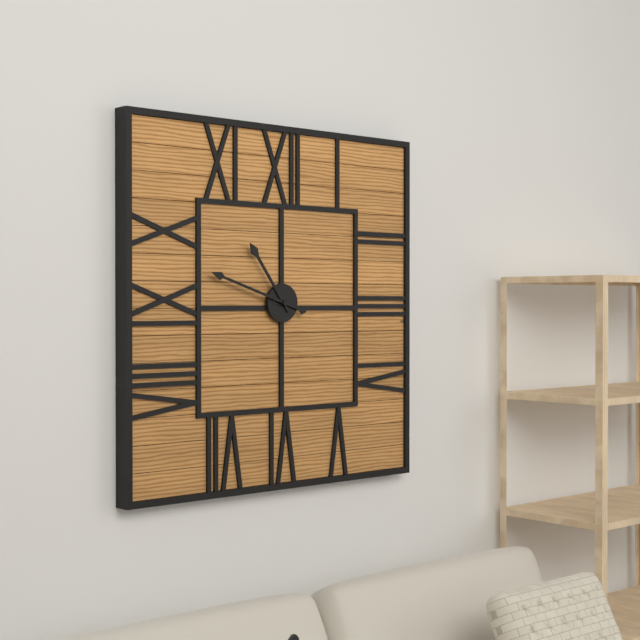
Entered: 10,48
